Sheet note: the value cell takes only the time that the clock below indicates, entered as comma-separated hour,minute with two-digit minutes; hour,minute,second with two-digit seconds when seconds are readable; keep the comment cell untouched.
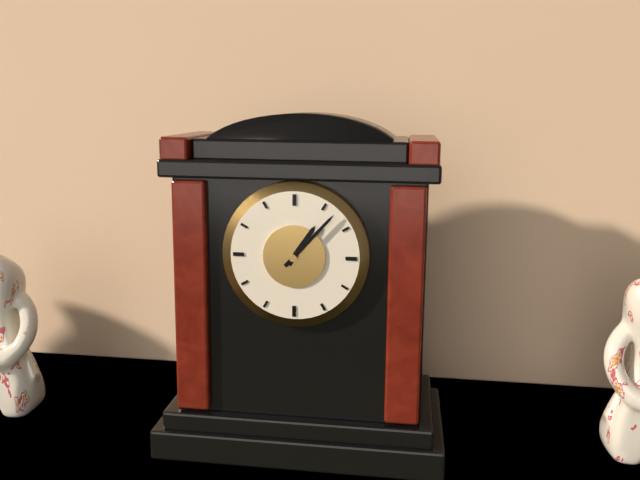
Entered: 1,07
